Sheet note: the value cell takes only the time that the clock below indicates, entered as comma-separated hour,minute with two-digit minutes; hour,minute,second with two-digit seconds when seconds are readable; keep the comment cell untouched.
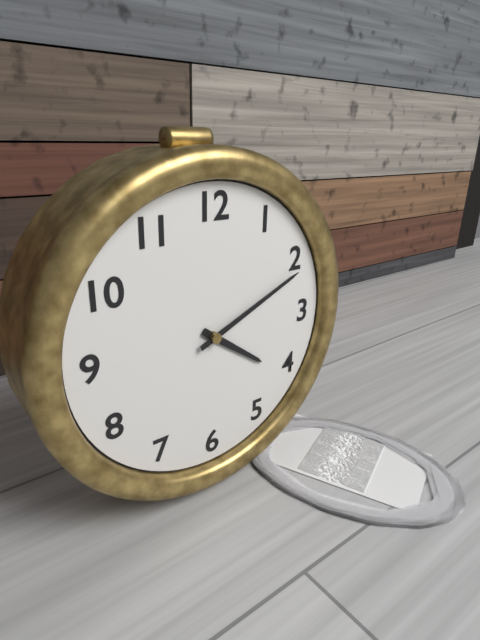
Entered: 4,11
